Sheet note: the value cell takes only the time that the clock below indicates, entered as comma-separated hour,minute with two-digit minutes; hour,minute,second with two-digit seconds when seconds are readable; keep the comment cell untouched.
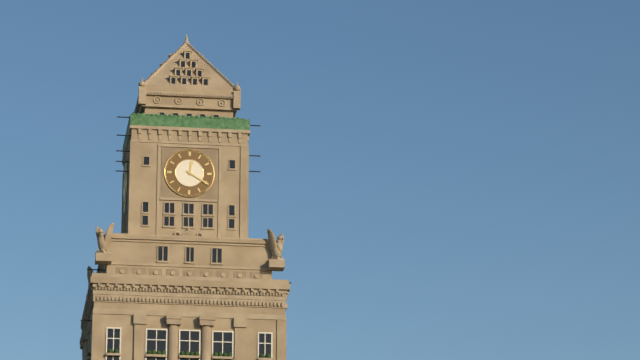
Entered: 12,20
